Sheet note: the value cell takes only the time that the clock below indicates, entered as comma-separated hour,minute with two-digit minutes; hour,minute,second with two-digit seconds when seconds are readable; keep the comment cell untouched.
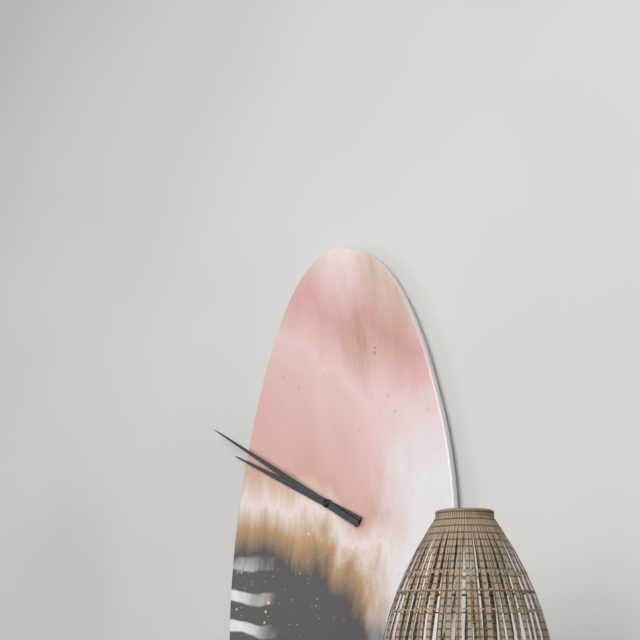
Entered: 9,50
